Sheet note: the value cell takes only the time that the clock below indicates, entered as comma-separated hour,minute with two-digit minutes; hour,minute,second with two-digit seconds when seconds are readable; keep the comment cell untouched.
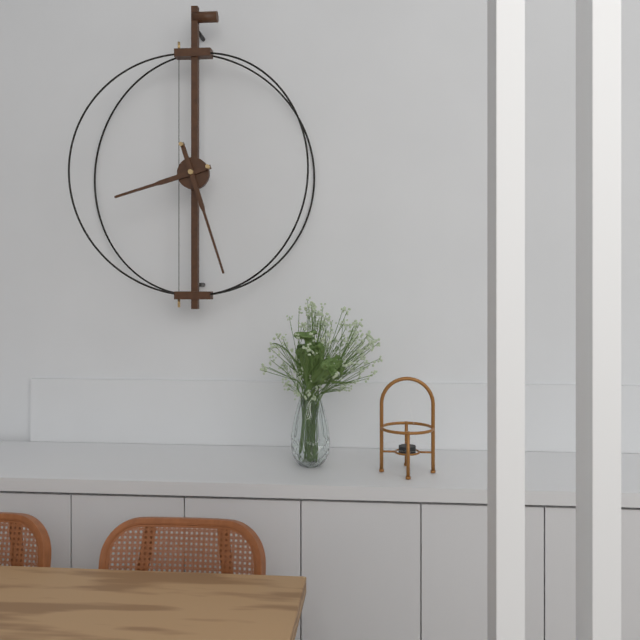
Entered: 8,27
